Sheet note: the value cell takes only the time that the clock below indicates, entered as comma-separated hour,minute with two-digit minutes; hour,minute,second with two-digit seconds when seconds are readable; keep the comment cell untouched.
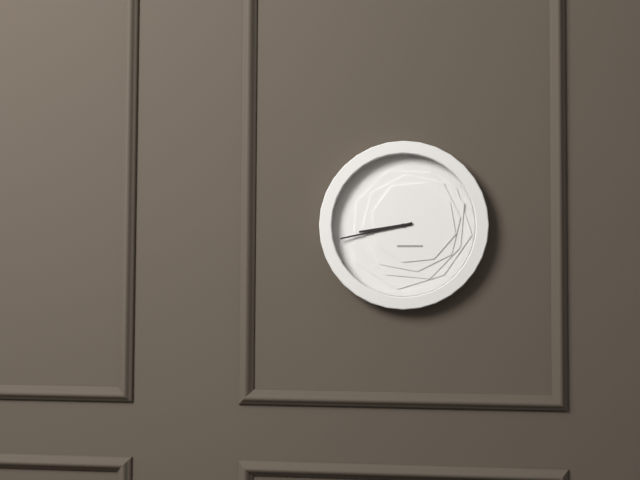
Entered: 8,43
